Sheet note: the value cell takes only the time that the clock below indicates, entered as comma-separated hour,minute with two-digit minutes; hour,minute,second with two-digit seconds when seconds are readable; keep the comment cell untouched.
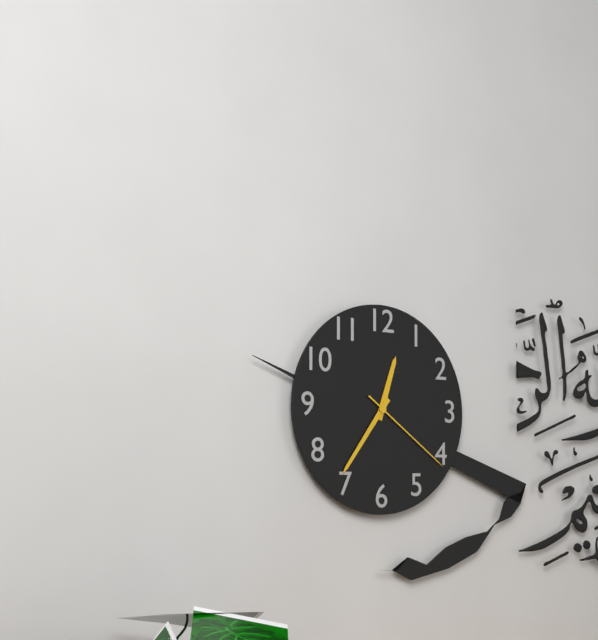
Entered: 12,36,21
